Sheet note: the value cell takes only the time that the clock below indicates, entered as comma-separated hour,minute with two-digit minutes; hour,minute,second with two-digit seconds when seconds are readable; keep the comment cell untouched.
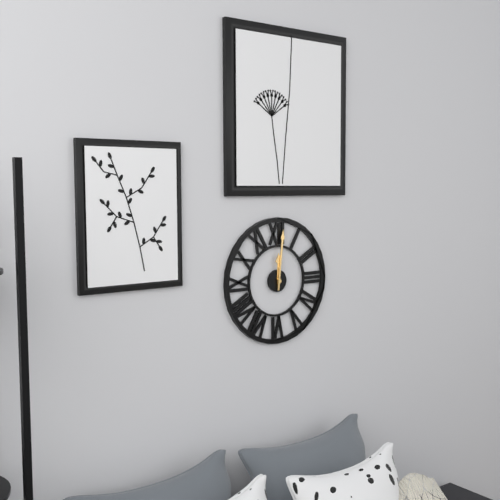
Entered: 12,01
